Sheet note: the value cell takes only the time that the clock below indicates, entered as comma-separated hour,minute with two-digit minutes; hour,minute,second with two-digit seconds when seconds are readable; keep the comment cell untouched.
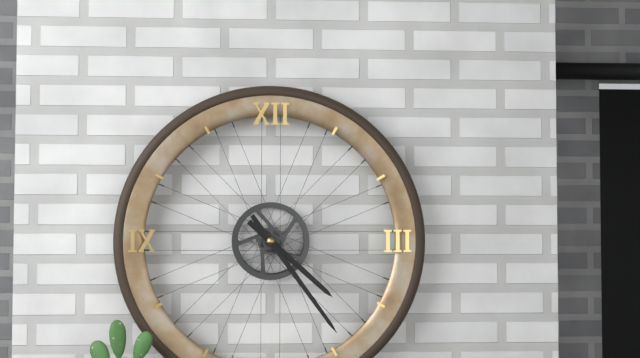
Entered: 4,24
